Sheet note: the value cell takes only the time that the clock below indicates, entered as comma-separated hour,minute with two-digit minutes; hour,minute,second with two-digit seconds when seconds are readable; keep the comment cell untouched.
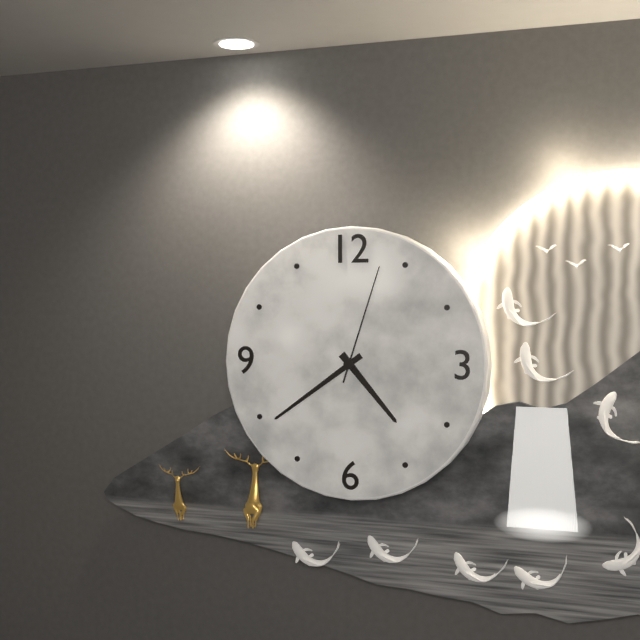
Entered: 4,39,03
